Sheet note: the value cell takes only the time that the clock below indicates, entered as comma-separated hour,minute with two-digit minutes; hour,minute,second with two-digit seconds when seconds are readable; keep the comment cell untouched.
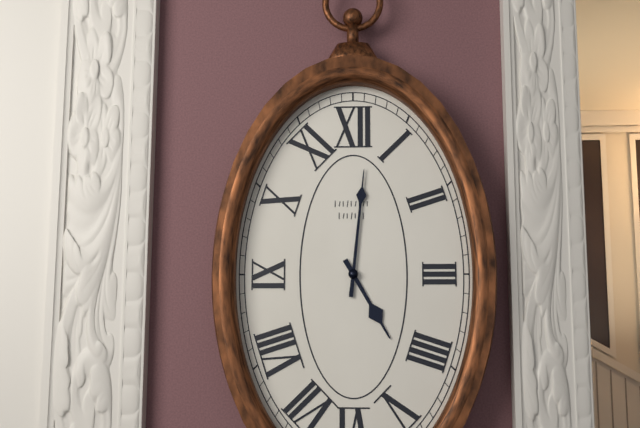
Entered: 5,01
